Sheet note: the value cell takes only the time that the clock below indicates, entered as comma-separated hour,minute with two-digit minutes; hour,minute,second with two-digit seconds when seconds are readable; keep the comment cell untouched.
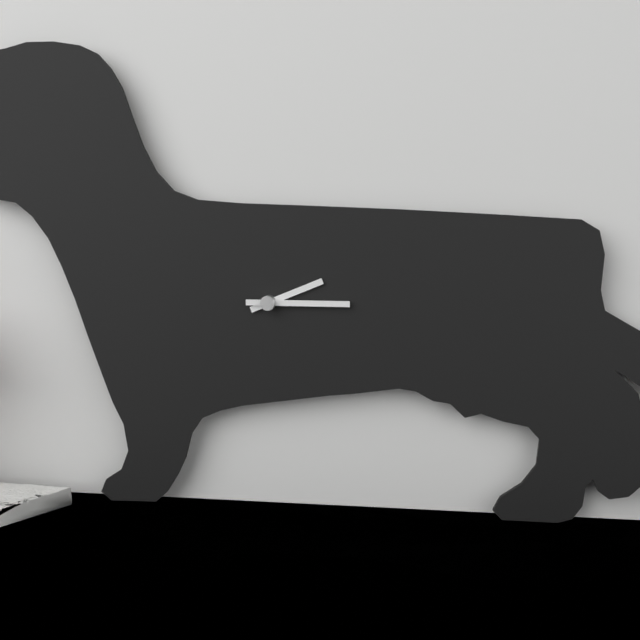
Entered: 2,15
